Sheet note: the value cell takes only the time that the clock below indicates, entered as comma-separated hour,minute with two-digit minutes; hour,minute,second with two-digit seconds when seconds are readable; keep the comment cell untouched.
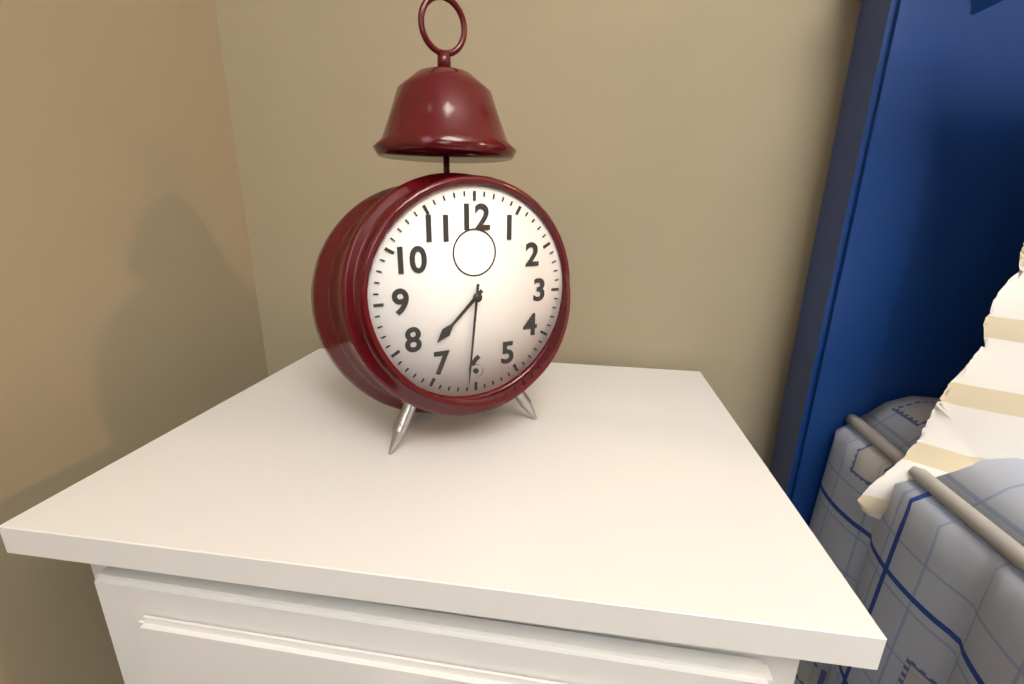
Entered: 7,31
